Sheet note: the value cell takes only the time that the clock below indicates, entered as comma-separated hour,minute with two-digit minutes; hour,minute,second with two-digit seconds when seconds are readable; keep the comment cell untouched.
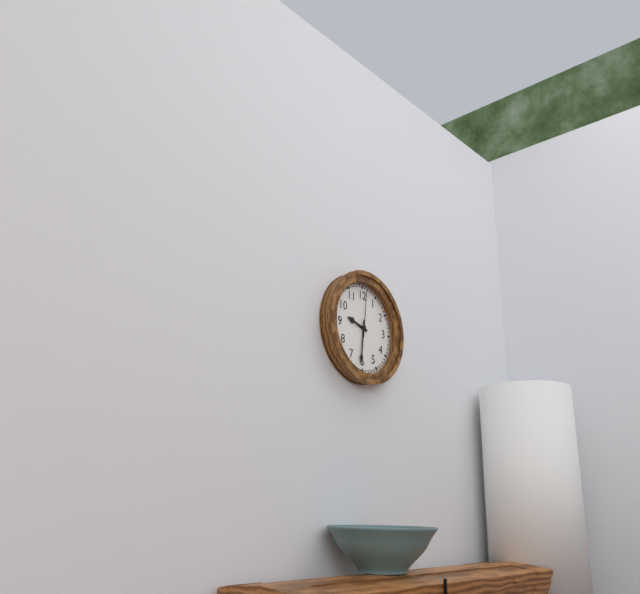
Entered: 9,31
